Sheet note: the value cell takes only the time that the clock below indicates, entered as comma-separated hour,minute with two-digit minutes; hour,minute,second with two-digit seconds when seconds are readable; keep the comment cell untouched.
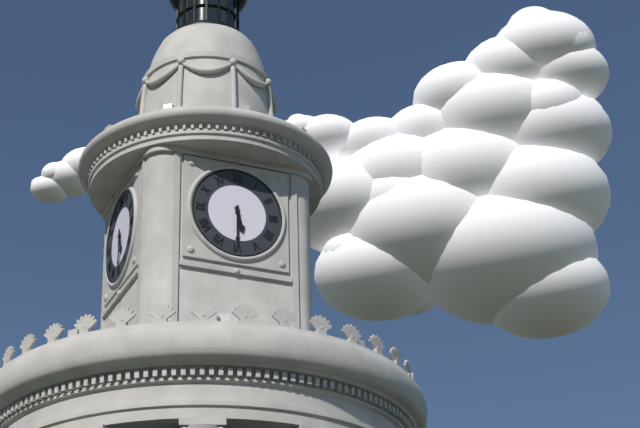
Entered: 5,30
